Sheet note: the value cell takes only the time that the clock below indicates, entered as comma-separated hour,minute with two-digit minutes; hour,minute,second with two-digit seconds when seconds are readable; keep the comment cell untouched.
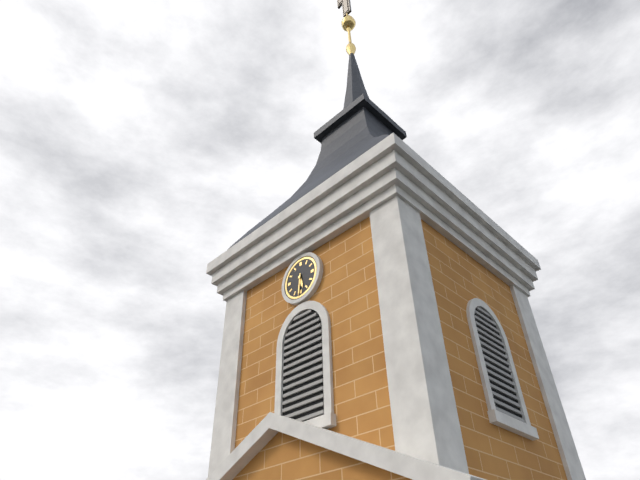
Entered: 5,31
